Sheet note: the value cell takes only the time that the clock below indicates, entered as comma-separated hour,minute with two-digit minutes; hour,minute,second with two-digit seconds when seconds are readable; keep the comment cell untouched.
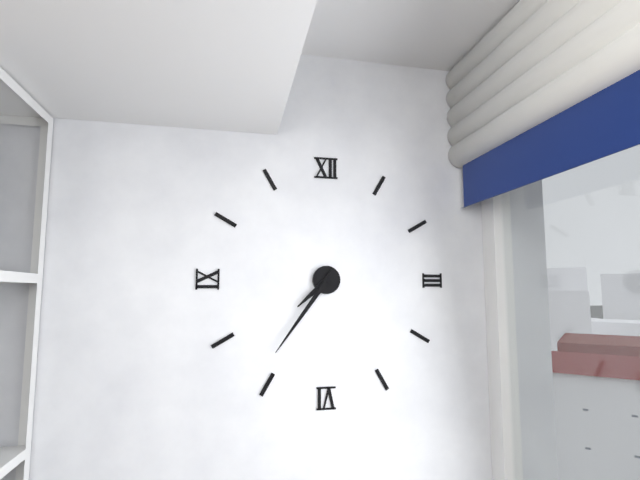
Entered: 7,36
